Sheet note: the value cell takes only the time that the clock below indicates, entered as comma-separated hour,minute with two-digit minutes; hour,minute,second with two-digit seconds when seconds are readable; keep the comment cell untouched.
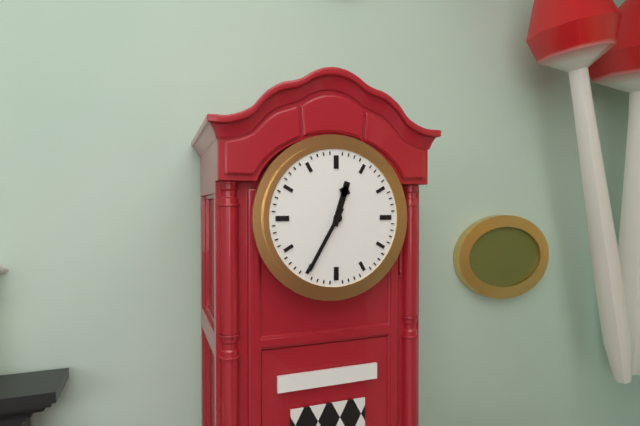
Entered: 12,35
